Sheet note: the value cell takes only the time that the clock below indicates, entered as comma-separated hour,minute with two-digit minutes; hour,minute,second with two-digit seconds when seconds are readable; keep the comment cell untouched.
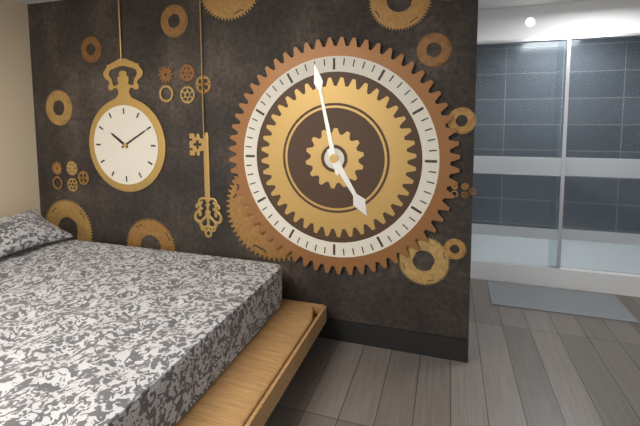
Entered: 4,58
